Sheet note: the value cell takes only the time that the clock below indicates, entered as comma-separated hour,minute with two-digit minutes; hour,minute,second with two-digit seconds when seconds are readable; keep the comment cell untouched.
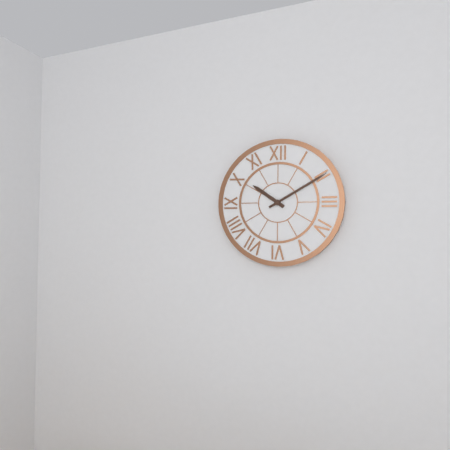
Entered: 10,10
